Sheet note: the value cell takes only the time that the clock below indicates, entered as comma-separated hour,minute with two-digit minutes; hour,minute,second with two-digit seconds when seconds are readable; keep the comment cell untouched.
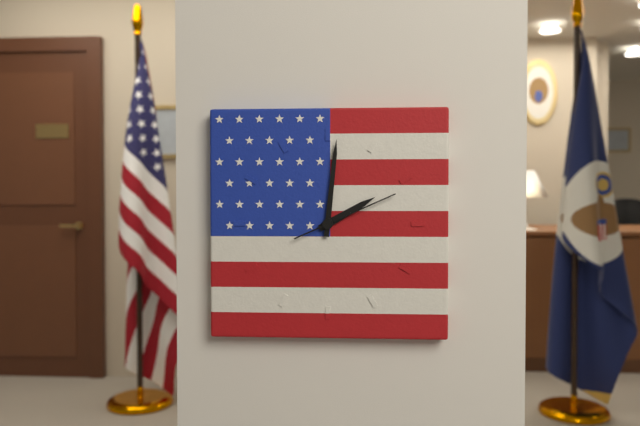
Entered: 2,01,11
